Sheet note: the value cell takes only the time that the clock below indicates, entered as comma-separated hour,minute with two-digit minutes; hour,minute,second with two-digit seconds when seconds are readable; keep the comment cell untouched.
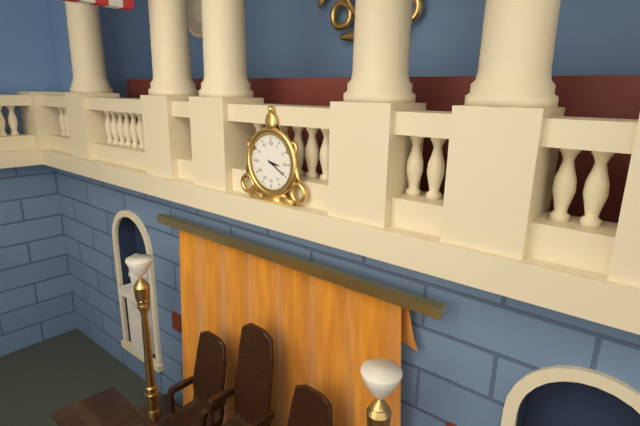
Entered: 3,20
